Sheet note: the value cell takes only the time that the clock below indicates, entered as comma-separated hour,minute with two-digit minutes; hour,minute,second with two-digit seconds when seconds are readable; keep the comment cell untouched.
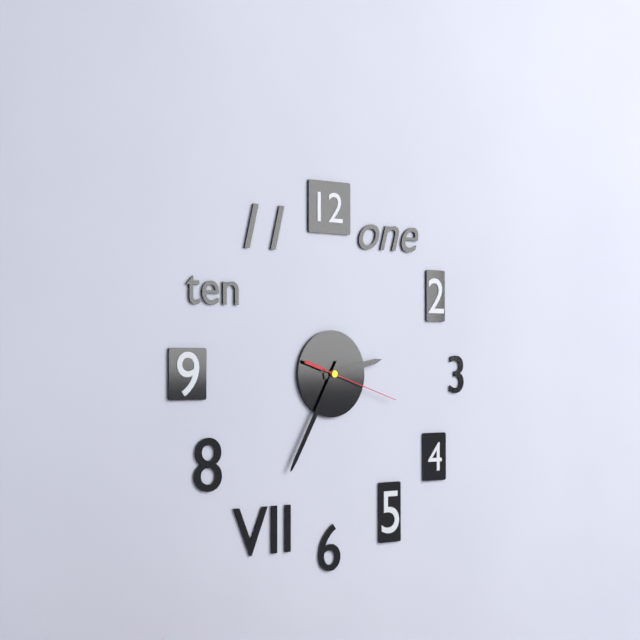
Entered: 2,35,18
